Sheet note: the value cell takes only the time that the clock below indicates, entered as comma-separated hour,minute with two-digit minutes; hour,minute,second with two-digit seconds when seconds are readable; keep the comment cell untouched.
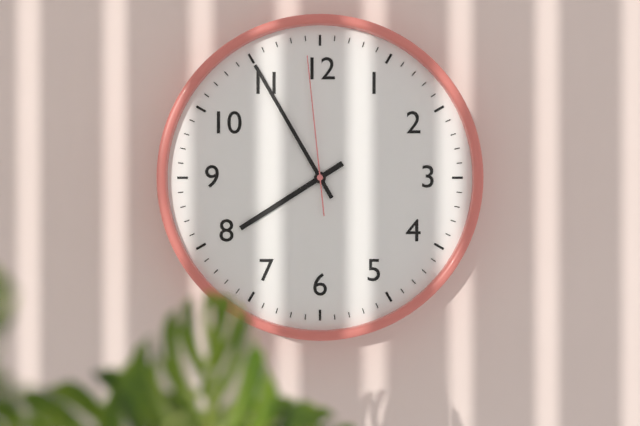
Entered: 7,55,59
